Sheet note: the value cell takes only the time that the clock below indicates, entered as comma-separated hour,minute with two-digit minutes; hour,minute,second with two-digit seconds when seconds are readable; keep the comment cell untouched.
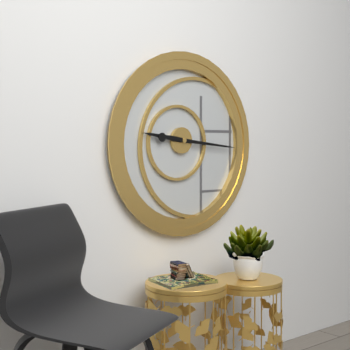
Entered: 9,16
